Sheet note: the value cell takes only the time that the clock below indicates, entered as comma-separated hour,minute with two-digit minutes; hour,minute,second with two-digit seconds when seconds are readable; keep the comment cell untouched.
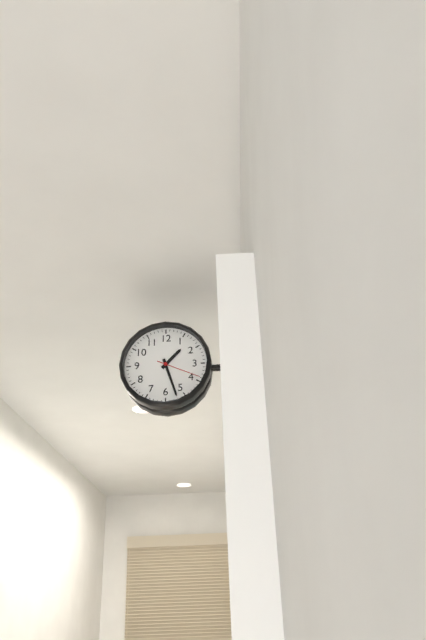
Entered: 1,27
